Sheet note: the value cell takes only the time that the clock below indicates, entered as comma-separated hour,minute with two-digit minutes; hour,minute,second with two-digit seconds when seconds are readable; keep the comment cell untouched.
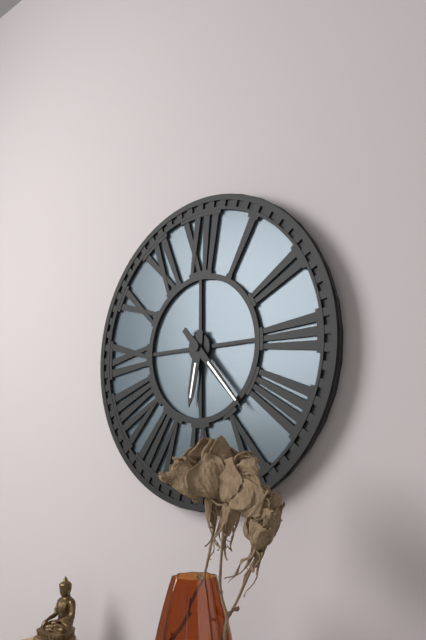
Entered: 6,23
